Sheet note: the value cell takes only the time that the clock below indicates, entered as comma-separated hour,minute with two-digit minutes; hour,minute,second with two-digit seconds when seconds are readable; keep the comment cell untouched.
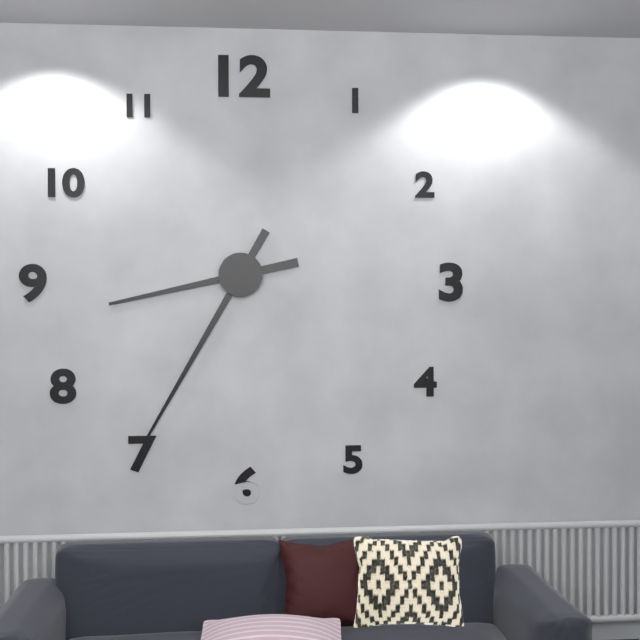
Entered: 8,35
